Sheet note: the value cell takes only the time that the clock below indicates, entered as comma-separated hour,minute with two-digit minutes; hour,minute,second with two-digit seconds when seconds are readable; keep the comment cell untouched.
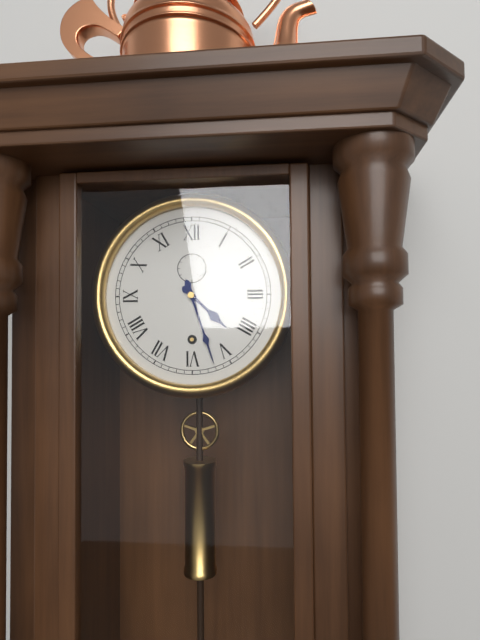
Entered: 4,27
